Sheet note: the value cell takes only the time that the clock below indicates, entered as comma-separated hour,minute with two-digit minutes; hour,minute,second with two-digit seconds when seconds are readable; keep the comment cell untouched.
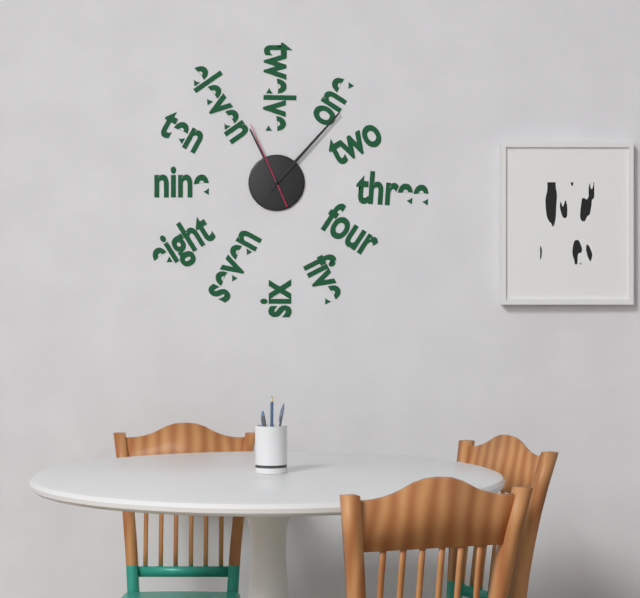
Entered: 11,07,56
